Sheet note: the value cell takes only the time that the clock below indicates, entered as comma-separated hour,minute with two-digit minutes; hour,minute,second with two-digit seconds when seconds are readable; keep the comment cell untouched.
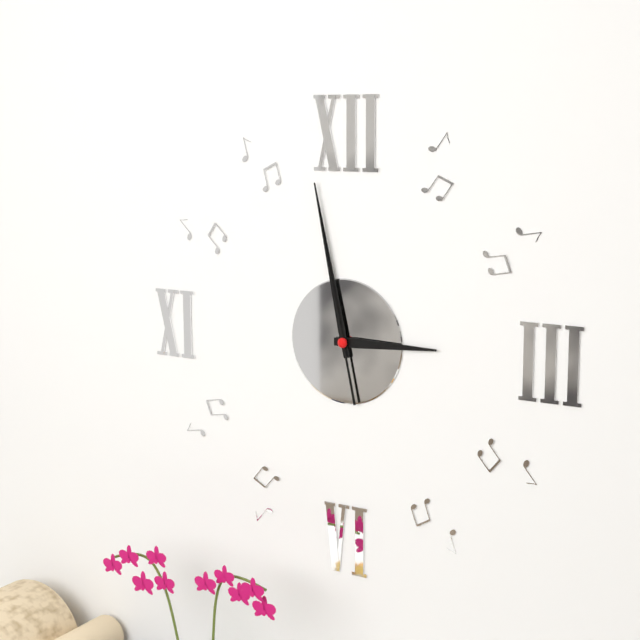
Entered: 2,58,58
